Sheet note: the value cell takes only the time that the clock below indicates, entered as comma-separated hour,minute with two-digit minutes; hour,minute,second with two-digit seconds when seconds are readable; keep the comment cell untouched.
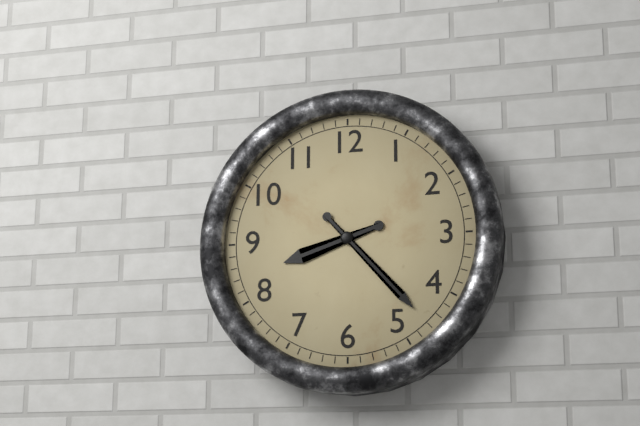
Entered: 8,23
